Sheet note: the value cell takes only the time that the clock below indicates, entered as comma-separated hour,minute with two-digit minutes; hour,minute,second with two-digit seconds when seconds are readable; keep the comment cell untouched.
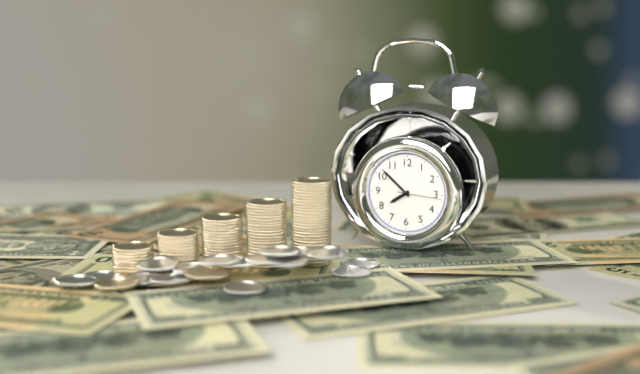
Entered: 7,52
